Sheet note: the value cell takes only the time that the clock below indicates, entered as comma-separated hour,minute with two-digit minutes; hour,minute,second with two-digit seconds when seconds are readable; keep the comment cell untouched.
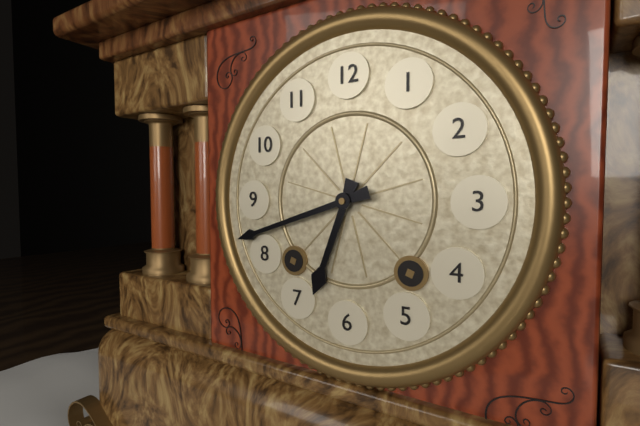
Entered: 6,42
